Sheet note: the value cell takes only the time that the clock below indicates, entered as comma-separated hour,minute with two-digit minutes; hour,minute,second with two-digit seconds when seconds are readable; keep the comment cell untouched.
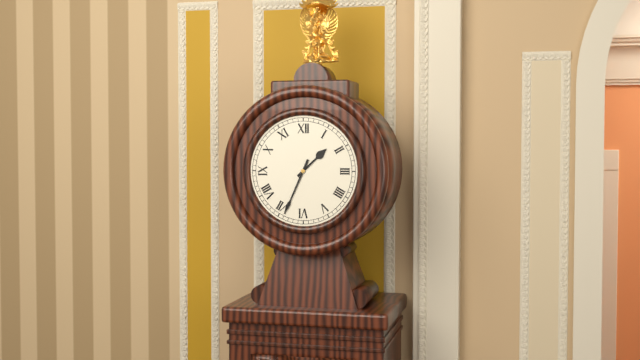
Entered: 1,34
